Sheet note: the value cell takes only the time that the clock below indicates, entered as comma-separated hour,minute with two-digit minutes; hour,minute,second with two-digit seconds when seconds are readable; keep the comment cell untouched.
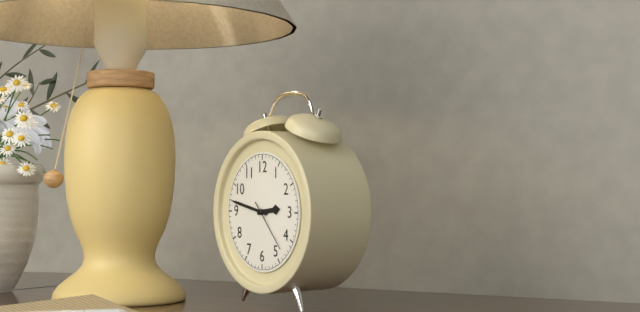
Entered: 2,47,23
